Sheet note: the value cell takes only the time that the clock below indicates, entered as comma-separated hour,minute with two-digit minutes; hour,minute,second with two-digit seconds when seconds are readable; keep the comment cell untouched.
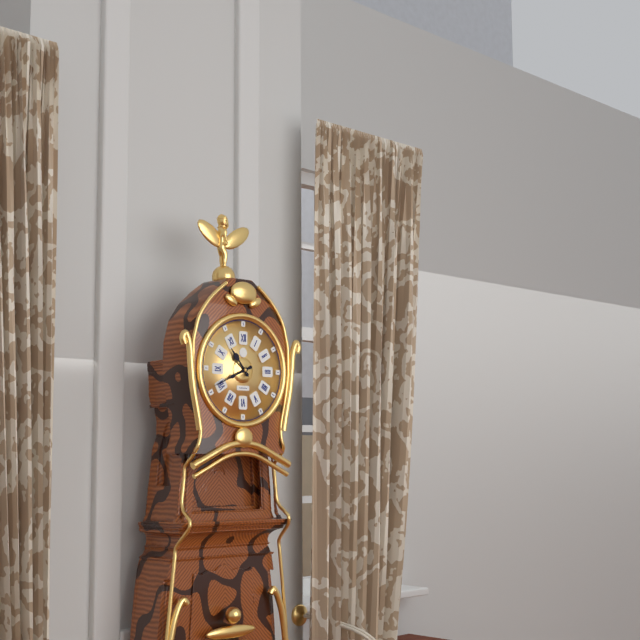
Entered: 10,41
